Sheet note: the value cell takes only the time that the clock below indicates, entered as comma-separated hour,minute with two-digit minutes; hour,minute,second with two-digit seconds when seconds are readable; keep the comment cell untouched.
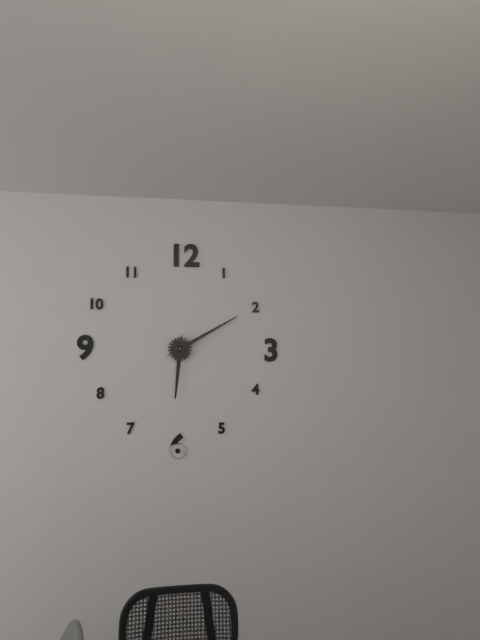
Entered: 6,10
